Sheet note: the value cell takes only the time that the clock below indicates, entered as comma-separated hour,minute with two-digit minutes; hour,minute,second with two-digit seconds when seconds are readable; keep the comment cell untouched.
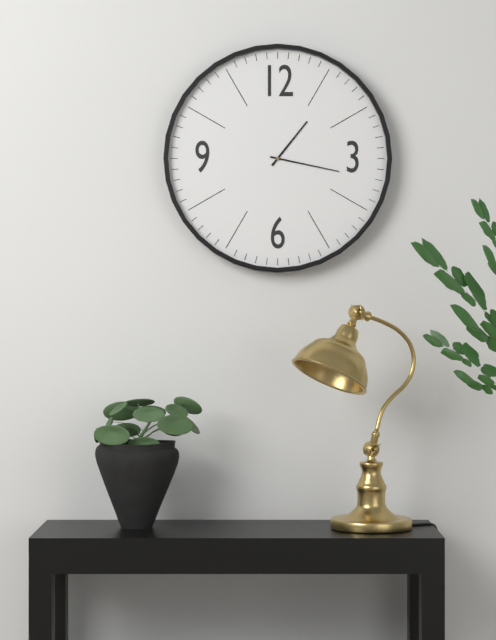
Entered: 1,17
